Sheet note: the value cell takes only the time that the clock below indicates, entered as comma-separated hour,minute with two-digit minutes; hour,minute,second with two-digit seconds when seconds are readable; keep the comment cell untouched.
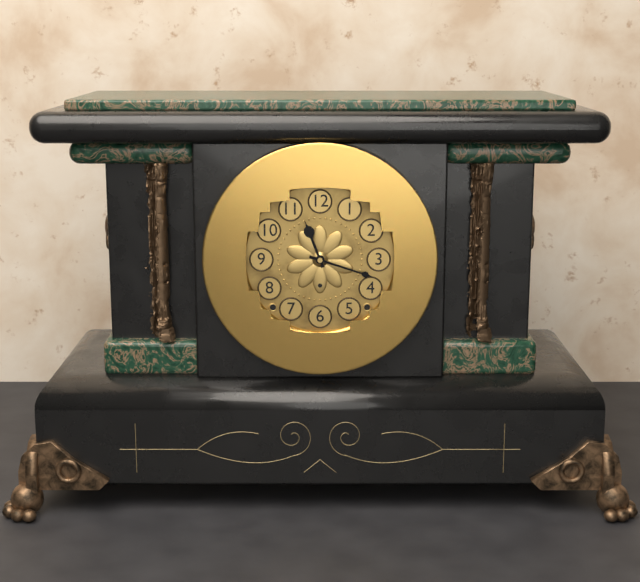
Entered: 11,18
